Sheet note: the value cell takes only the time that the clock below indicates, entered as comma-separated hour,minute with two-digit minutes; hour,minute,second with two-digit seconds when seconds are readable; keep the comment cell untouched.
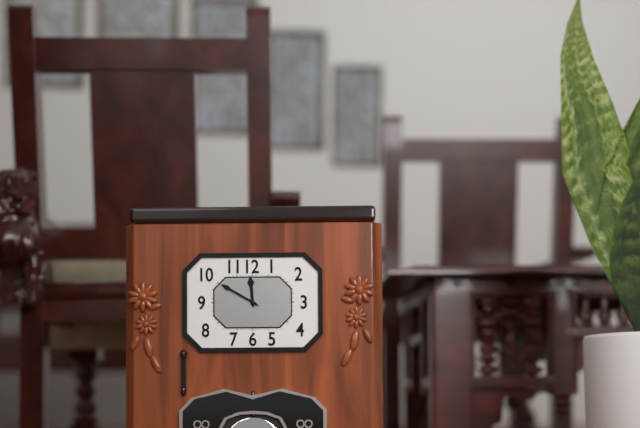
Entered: 11,50
